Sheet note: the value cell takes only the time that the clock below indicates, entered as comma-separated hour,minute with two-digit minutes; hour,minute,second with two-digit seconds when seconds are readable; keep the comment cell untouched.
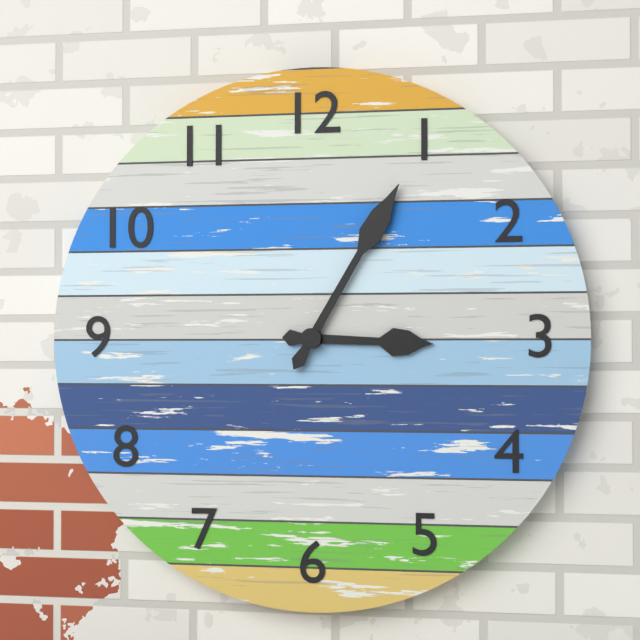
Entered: 3,05
